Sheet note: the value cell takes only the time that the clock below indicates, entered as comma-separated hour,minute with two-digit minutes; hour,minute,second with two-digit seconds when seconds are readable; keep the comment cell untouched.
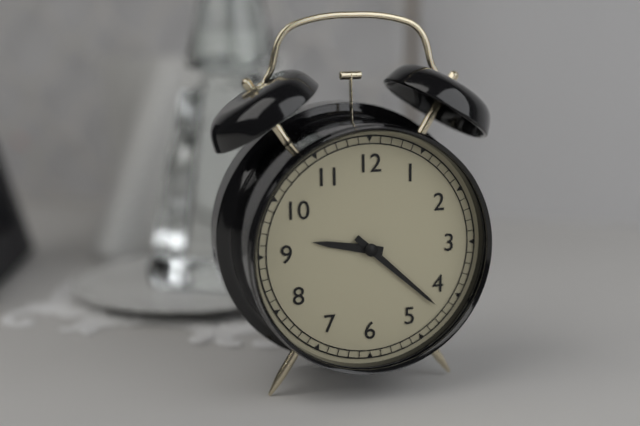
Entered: 9,22
